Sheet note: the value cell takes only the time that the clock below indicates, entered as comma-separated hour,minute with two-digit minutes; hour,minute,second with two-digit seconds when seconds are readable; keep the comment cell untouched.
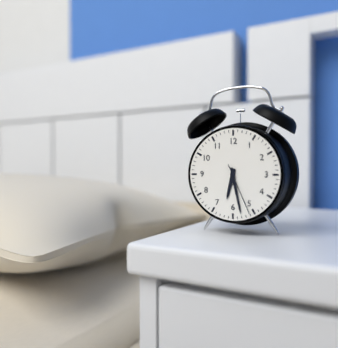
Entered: 6,28,26
